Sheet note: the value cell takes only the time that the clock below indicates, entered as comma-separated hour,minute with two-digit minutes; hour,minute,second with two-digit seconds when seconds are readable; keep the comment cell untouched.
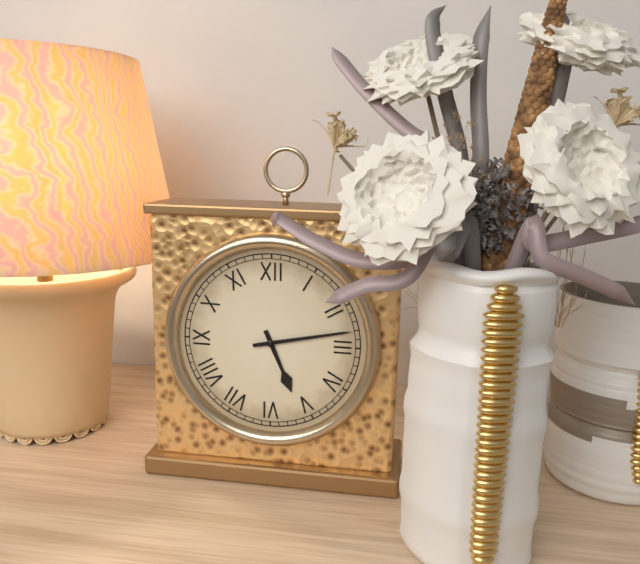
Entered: 5,13
